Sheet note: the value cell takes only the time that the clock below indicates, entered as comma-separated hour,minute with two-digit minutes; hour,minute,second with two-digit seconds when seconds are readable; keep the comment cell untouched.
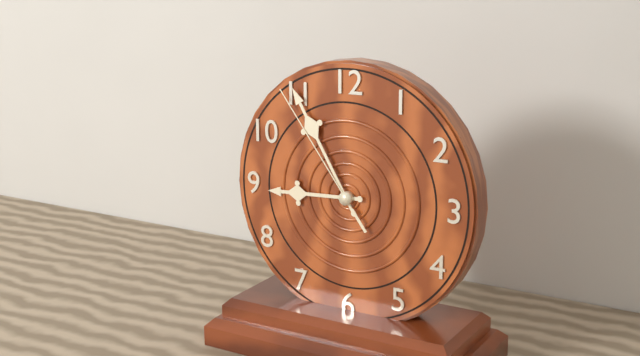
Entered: 8,55,54
